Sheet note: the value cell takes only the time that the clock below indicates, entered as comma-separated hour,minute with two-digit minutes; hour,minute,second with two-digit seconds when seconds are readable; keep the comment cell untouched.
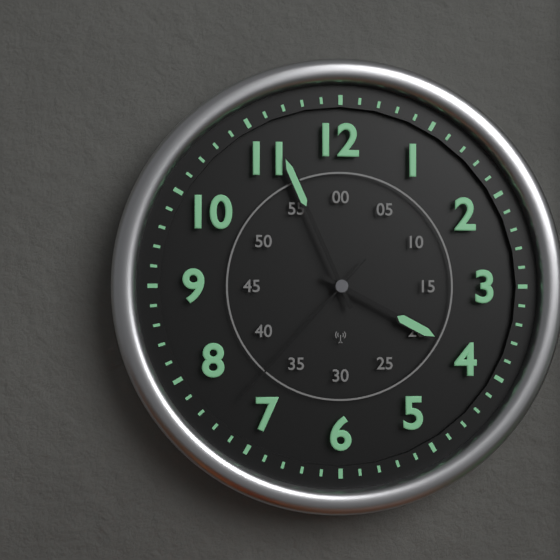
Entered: 3,56,37
